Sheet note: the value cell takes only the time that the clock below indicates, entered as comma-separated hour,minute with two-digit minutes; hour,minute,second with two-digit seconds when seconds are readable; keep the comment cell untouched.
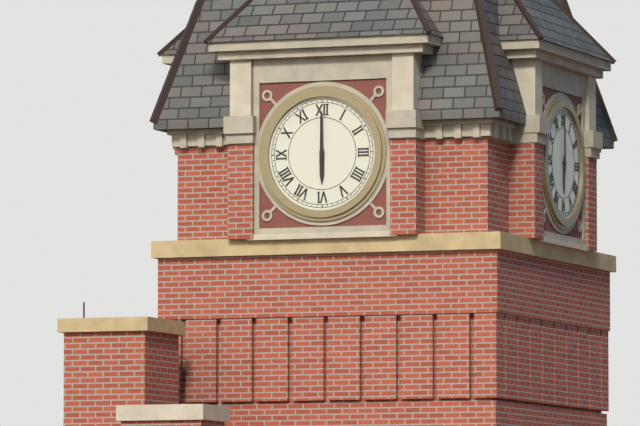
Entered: 6,00
